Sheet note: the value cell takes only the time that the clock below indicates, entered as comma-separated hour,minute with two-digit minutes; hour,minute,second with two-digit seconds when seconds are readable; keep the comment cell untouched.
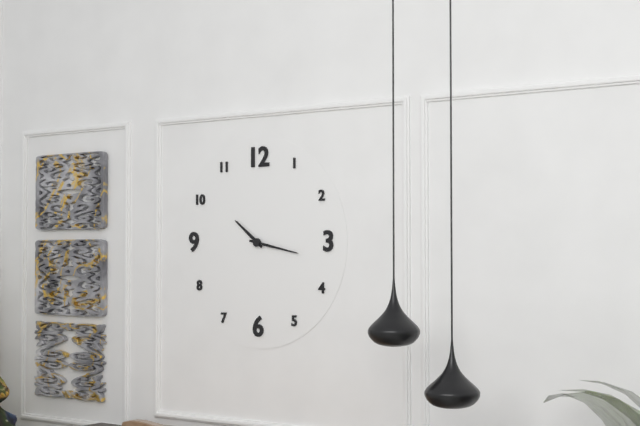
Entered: 10,17
